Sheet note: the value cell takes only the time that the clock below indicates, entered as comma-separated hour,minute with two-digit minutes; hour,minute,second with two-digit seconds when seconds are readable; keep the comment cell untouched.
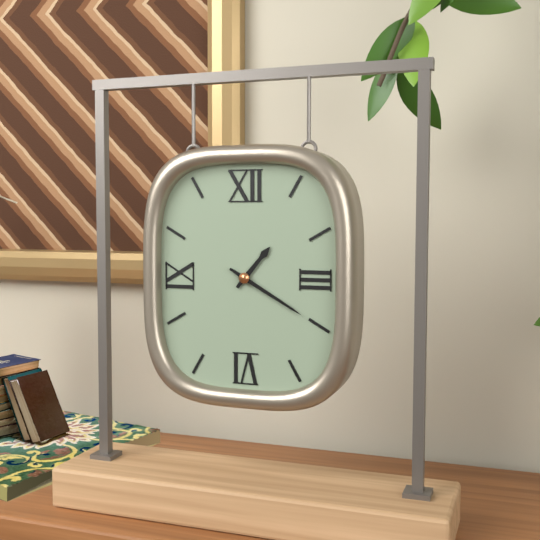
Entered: 1,20
